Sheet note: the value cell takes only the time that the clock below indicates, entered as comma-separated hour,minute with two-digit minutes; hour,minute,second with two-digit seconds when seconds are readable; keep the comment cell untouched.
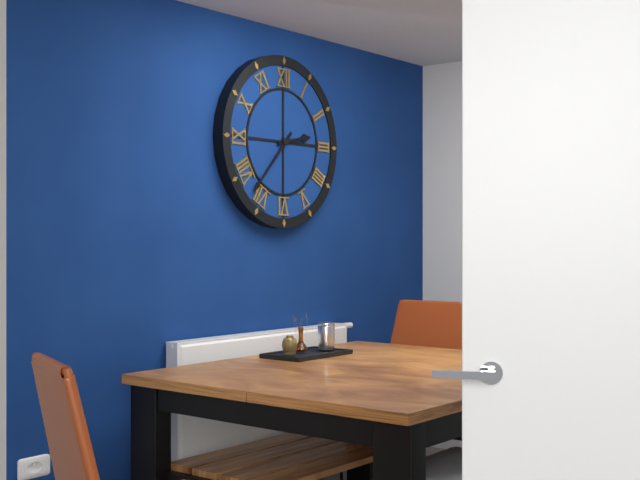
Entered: 2,37
